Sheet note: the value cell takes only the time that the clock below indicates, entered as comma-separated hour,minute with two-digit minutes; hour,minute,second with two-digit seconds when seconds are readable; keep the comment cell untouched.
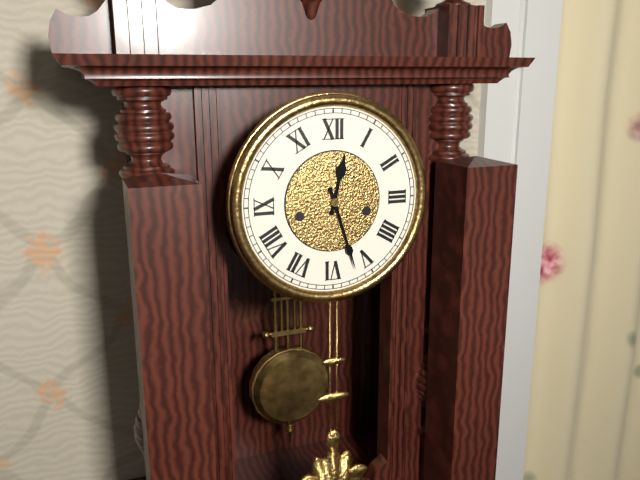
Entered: 12,27
